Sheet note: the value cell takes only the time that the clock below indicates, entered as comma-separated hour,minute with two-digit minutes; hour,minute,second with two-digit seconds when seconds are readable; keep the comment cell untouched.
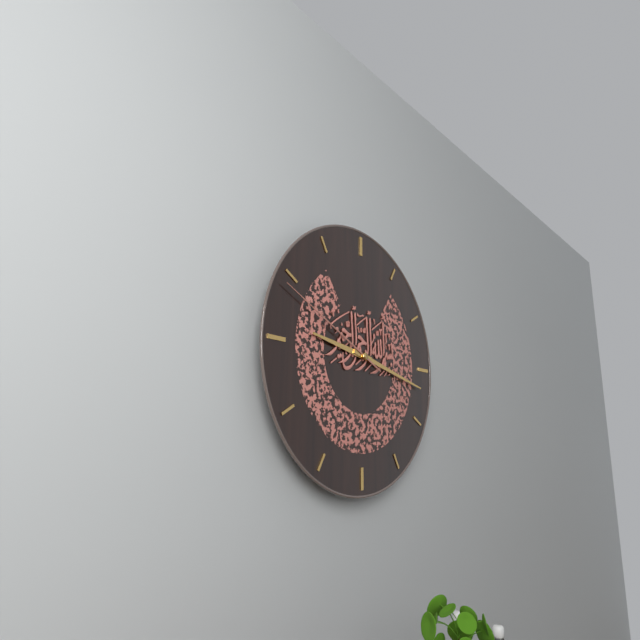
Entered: 9,17,49
